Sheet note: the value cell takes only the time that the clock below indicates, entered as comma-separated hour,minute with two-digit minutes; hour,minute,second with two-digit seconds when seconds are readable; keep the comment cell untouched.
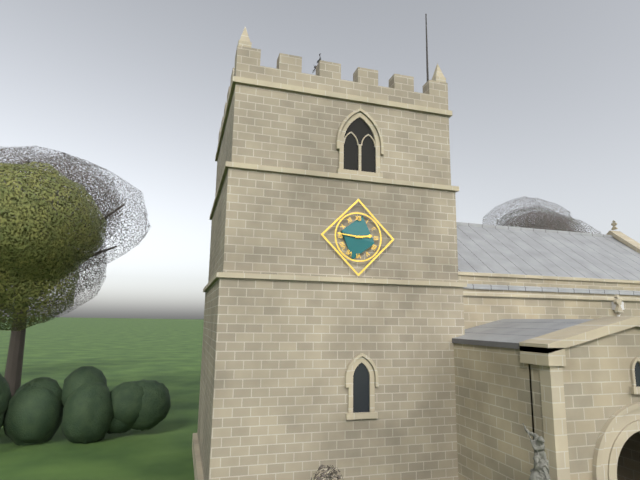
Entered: 2,46
